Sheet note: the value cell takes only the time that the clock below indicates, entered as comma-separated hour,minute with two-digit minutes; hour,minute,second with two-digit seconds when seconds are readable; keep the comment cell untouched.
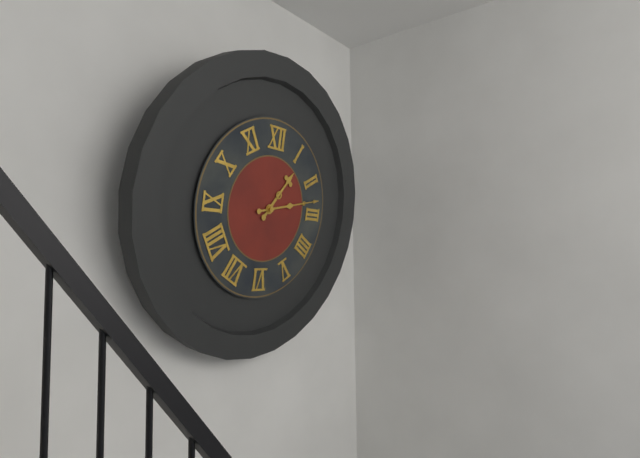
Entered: 1,13
